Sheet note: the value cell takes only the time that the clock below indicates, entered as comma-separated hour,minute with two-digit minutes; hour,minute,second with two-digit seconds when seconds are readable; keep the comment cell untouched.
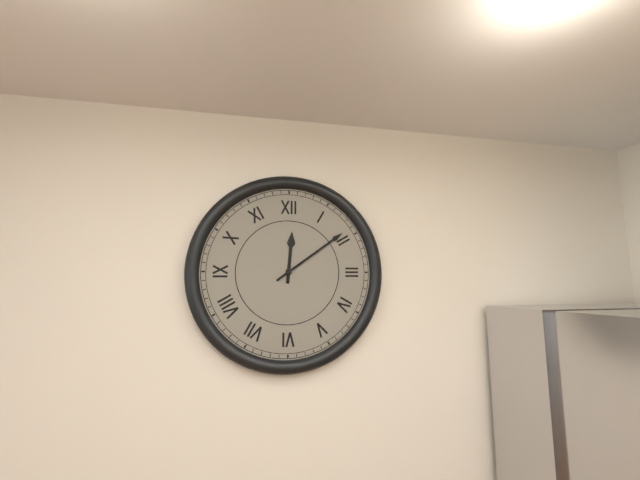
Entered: 12,09
